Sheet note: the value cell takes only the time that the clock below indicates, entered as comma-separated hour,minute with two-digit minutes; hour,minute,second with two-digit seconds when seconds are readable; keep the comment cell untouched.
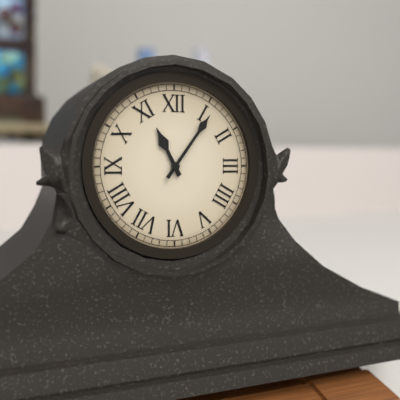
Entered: 11,06
